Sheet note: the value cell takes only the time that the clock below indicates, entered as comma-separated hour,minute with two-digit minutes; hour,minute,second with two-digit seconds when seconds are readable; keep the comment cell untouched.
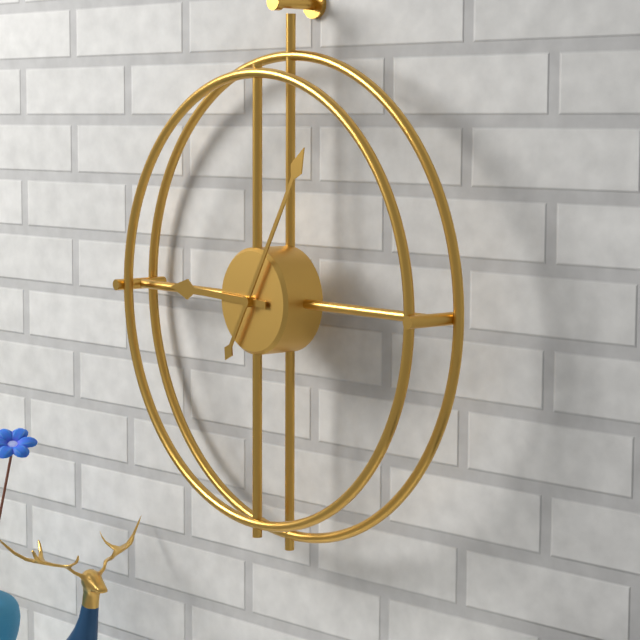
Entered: 9,05
